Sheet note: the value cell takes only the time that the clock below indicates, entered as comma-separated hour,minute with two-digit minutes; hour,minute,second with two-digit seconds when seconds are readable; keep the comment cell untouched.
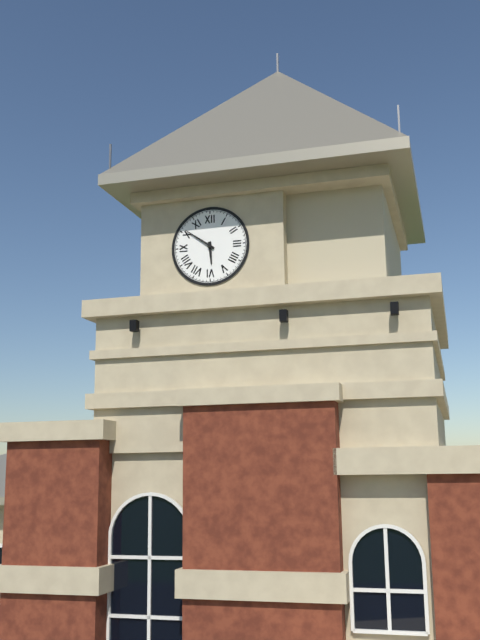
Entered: 5,51
